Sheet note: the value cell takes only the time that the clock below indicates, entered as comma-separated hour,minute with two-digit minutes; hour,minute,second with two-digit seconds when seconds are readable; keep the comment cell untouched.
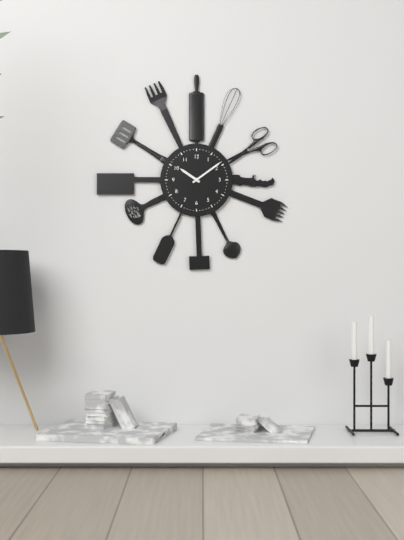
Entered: 10,09
